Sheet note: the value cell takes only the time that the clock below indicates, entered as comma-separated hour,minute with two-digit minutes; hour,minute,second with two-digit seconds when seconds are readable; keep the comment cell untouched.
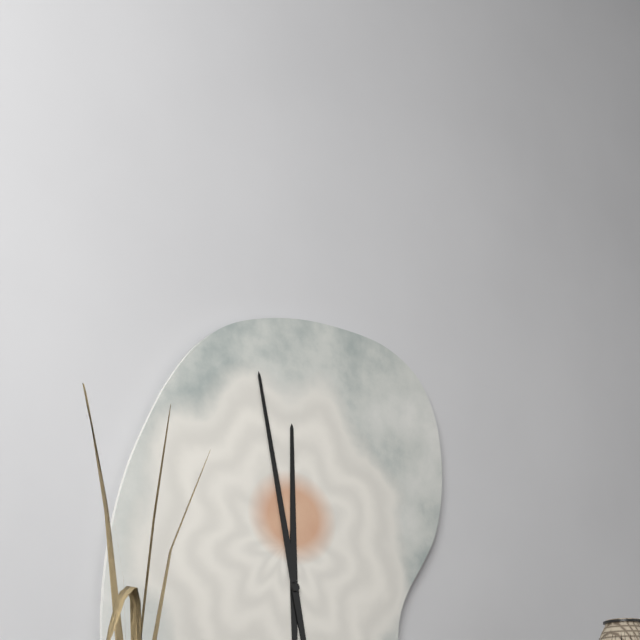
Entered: 11,58
